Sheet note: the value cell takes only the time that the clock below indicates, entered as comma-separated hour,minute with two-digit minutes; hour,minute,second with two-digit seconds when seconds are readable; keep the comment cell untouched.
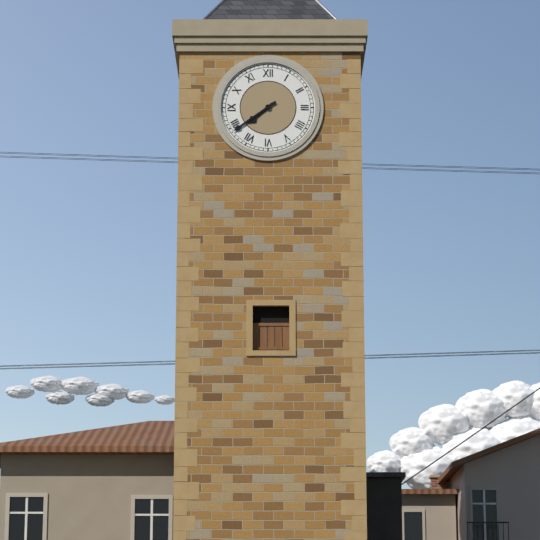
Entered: 7,39
